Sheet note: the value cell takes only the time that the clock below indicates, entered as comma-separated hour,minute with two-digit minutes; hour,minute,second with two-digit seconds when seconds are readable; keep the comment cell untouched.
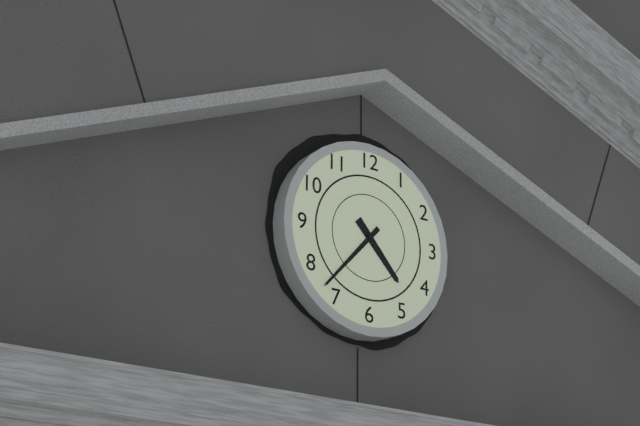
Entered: 4,37
